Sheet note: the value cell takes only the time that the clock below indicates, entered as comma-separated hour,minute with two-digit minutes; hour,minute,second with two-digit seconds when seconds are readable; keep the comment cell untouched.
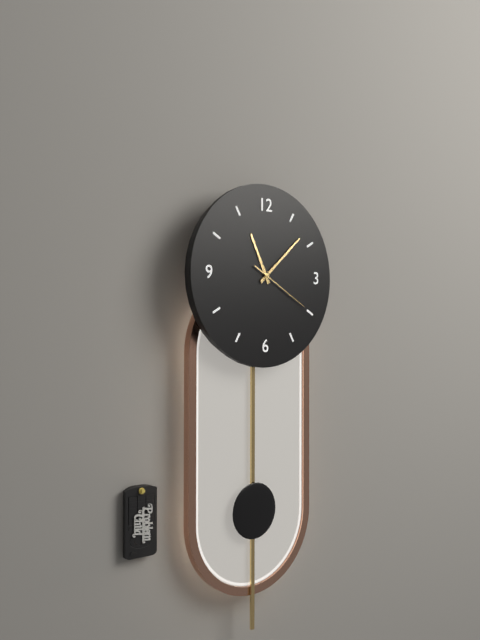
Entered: 11,08,20
